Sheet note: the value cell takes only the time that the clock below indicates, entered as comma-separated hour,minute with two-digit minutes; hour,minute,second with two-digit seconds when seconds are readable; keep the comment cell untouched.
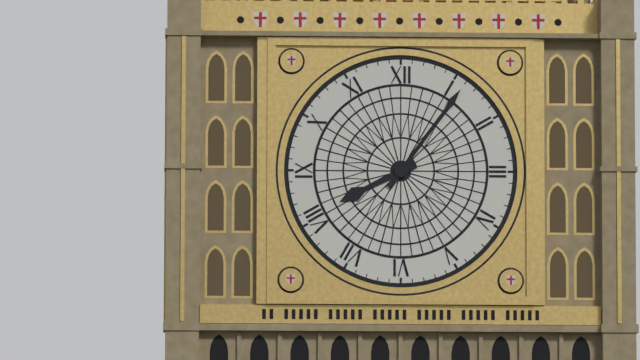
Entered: 8,06
